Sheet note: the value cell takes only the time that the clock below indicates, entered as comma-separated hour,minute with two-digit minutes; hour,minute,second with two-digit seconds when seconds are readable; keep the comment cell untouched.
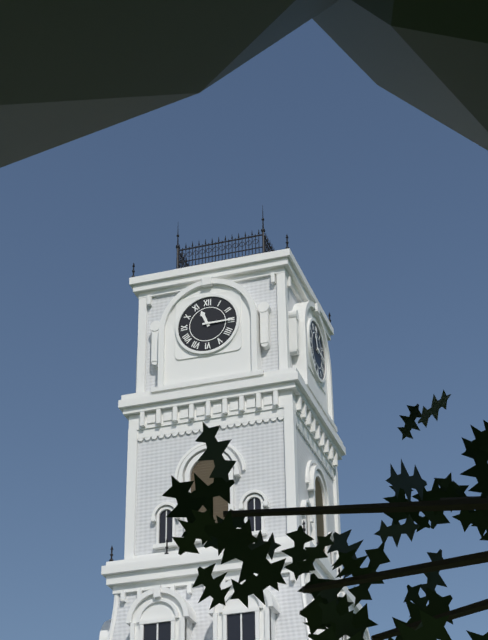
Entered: 11,15
